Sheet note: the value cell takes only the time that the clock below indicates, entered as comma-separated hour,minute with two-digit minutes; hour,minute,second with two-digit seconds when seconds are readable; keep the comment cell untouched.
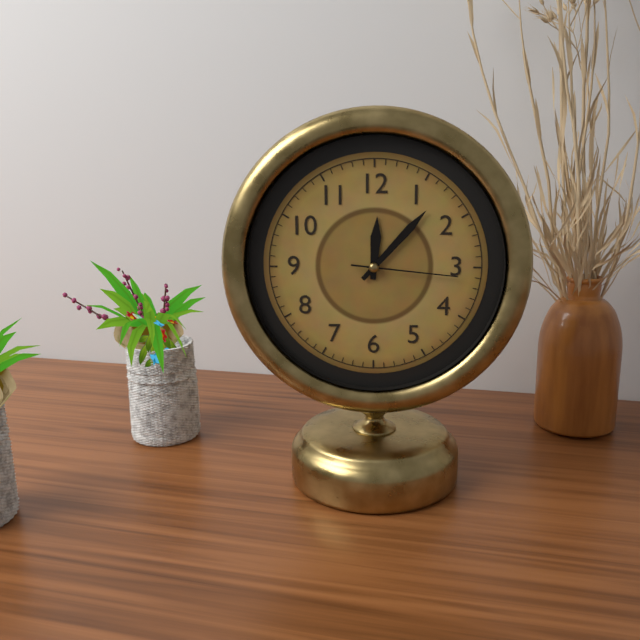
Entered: 12,07,16
